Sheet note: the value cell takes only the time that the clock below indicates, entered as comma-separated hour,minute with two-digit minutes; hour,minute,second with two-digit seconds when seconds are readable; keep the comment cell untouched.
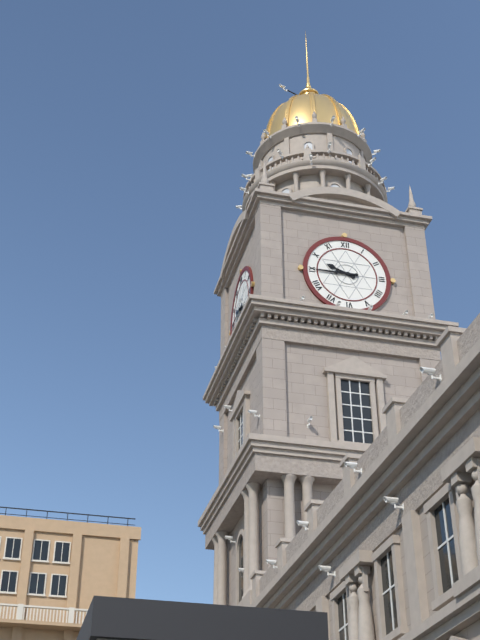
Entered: 9,45
